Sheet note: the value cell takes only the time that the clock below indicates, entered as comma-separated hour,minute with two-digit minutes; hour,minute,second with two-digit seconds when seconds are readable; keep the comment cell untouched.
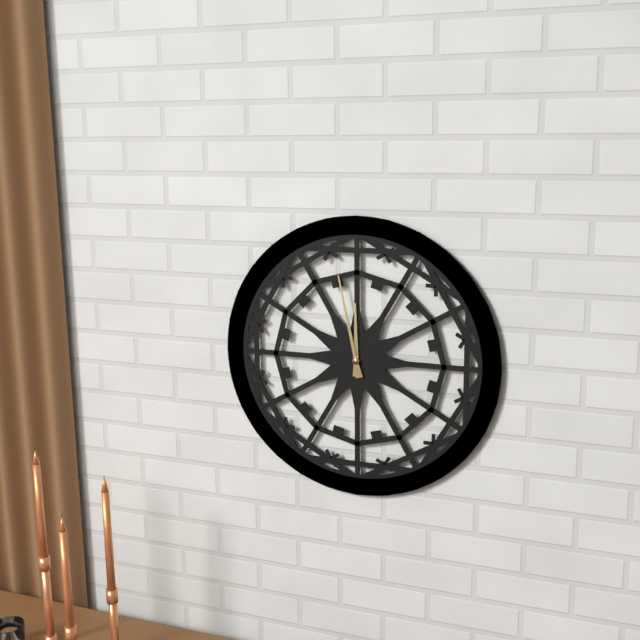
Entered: 11,58
